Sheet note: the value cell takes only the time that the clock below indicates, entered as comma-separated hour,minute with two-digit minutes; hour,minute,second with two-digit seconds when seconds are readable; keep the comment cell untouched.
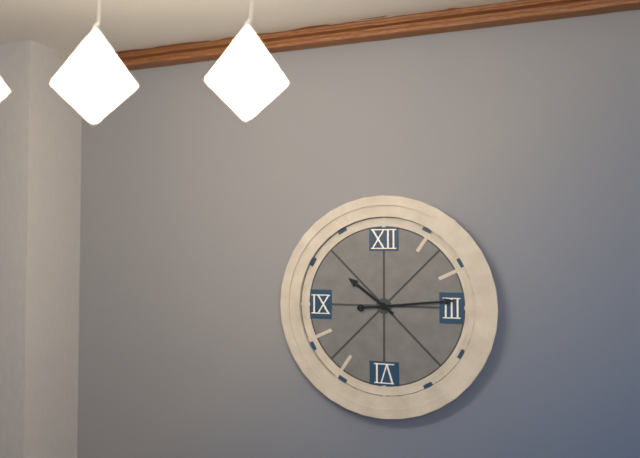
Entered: 10,14
